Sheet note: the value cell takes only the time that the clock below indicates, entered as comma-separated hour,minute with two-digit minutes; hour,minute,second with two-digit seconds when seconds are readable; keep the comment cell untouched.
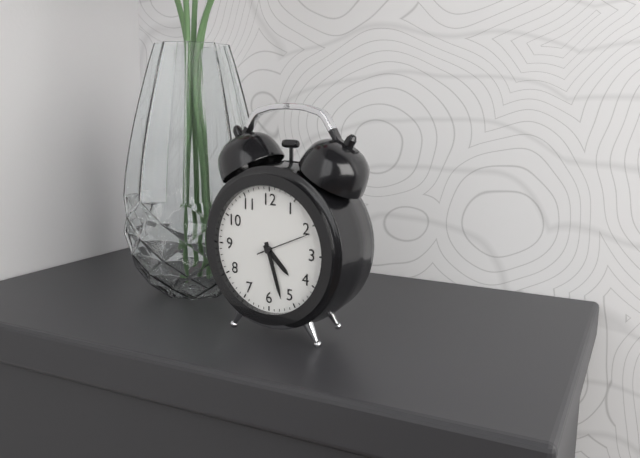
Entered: 4,27,11
